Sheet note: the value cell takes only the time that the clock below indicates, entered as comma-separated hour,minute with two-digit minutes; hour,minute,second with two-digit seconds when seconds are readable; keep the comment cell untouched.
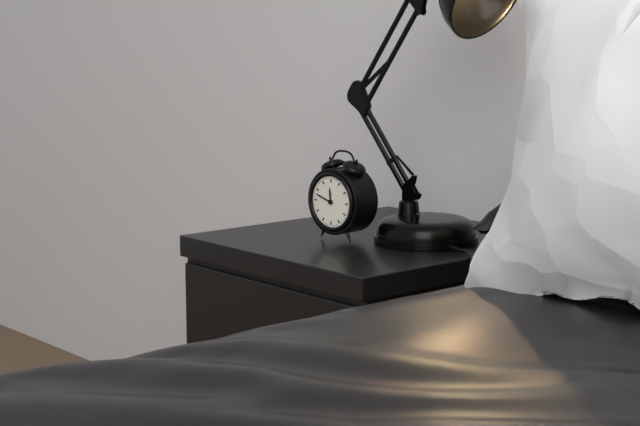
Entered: 11,48
